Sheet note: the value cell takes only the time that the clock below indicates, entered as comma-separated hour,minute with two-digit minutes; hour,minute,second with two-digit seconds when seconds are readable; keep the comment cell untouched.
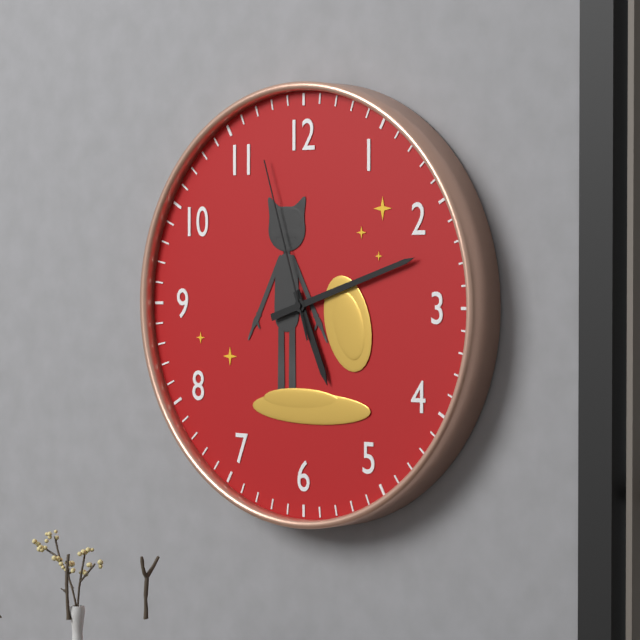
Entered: 5,12,57
